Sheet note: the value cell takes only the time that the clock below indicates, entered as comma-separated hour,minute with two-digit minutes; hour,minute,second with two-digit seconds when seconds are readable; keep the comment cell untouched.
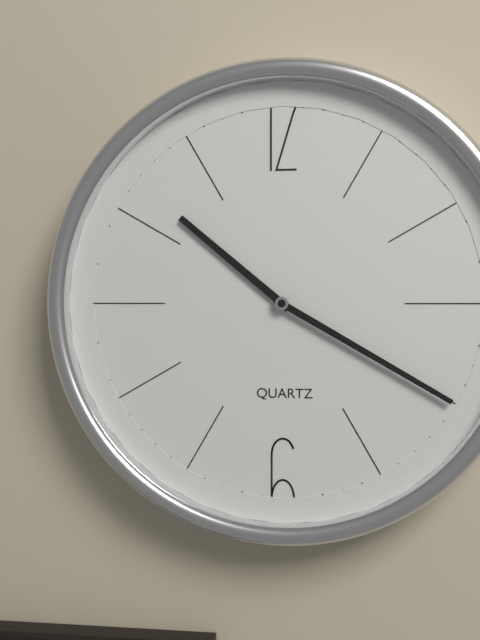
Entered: 10,20
